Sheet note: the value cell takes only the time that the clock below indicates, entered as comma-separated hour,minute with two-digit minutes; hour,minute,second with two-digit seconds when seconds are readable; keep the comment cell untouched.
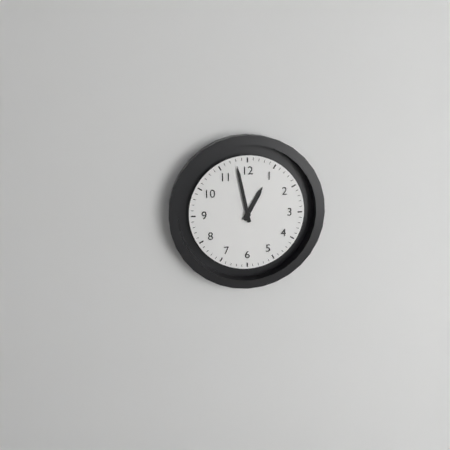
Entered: 12,58
